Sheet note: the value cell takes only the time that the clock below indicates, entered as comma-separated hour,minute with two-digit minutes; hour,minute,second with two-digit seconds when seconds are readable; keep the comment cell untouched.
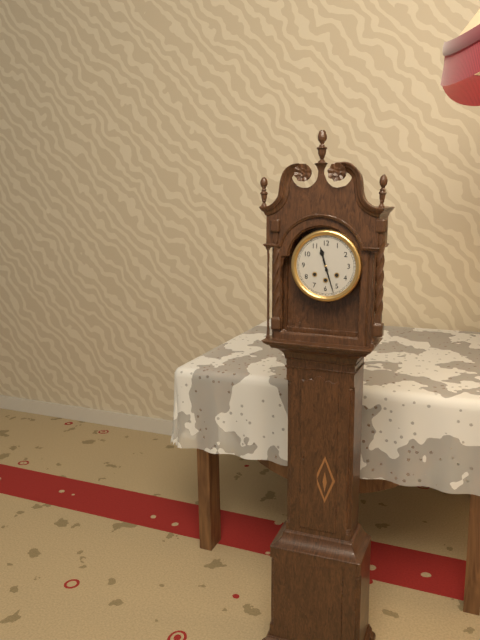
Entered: 11,27
